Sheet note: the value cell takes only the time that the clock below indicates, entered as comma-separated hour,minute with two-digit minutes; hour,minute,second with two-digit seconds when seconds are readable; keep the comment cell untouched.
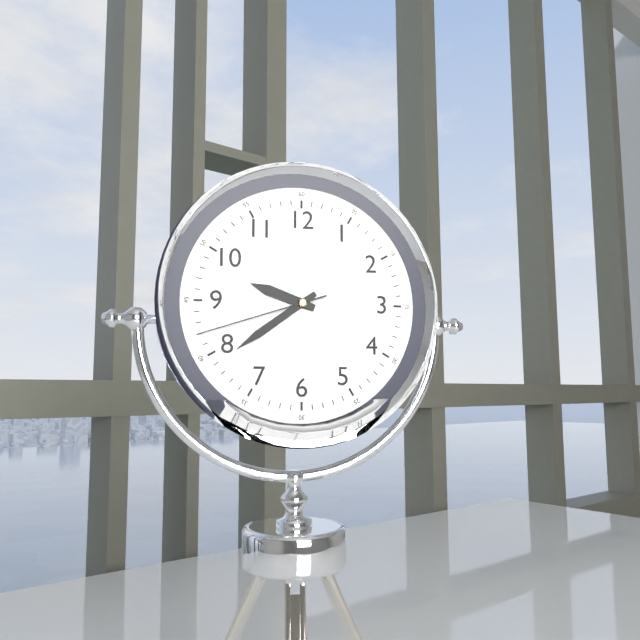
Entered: 9,39,42
